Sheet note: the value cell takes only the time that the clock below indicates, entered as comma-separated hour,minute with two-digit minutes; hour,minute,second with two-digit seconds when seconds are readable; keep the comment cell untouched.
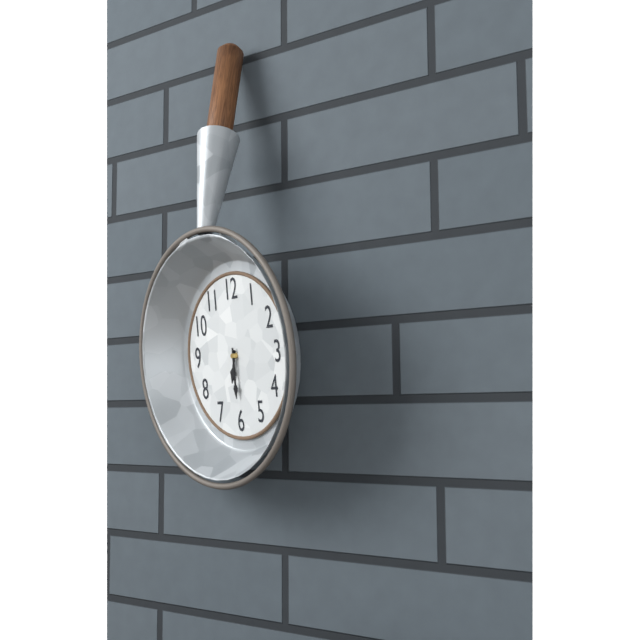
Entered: 6,30
